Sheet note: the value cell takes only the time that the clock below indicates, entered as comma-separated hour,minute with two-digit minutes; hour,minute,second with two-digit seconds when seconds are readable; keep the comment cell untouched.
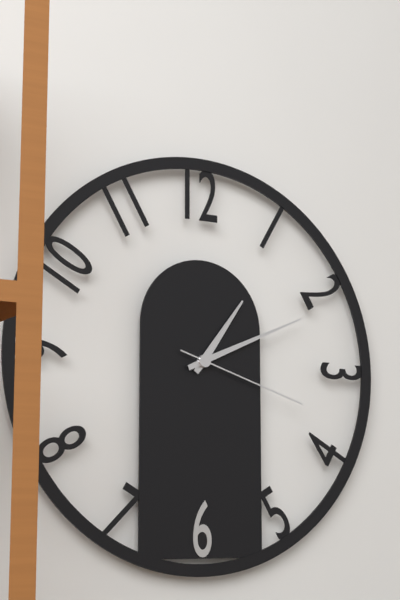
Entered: 1,11,18
